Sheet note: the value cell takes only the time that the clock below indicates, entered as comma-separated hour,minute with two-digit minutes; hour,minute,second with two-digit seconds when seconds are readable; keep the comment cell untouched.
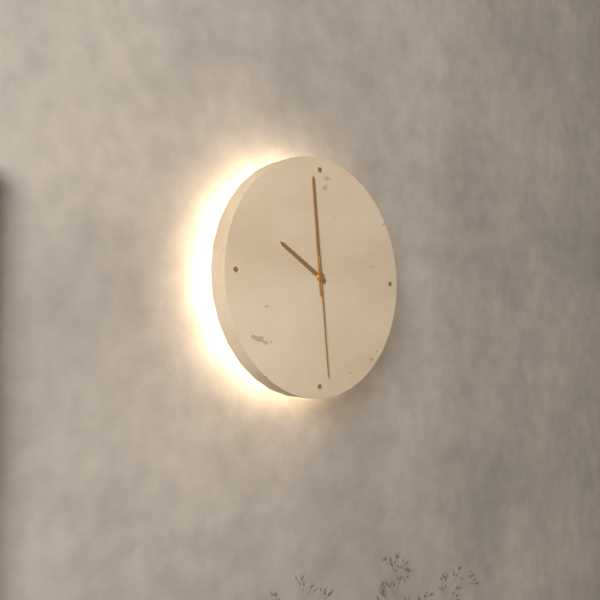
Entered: 9,59,29
